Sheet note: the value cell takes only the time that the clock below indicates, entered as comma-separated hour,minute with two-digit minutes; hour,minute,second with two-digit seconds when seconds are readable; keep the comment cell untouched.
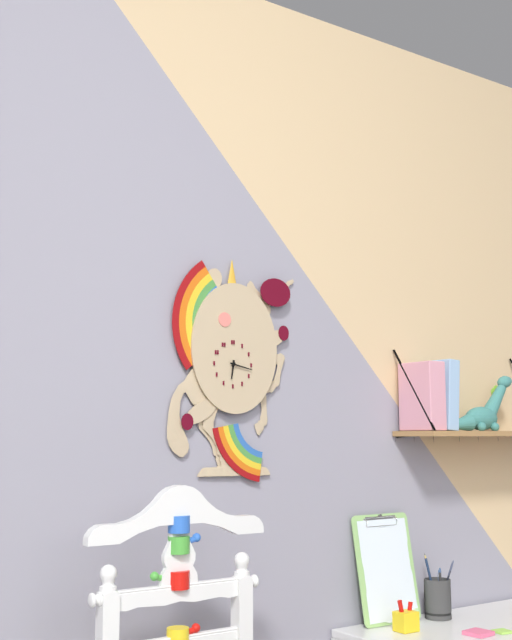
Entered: 6,17
